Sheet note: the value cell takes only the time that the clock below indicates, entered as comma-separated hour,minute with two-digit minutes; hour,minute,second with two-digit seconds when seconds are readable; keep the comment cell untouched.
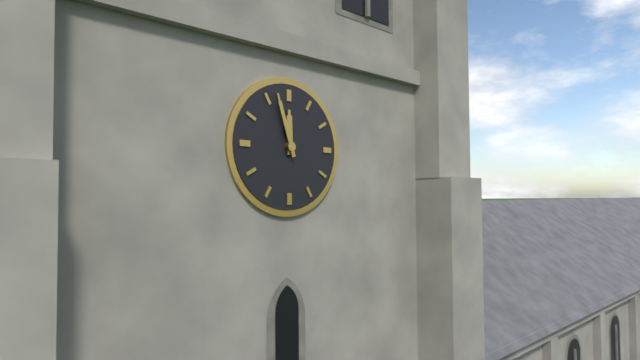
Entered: 11,57
